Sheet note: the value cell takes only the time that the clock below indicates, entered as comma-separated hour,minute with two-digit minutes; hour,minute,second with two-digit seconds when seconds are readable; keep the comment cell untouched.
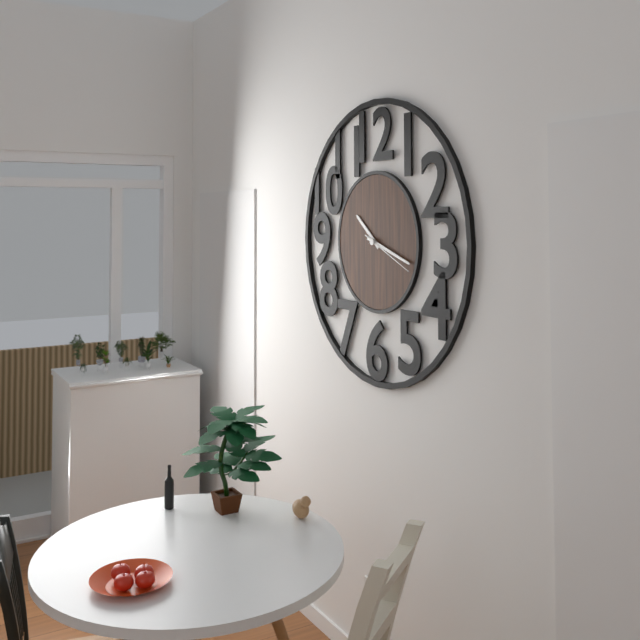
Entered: 10,18,19
